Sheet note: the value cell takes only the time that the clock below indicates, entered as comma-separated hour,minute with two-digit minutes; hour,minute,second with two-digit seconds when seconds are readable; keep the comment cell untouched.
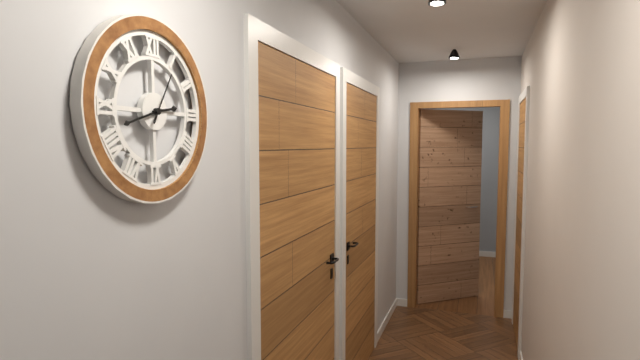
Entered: 2,42,05
